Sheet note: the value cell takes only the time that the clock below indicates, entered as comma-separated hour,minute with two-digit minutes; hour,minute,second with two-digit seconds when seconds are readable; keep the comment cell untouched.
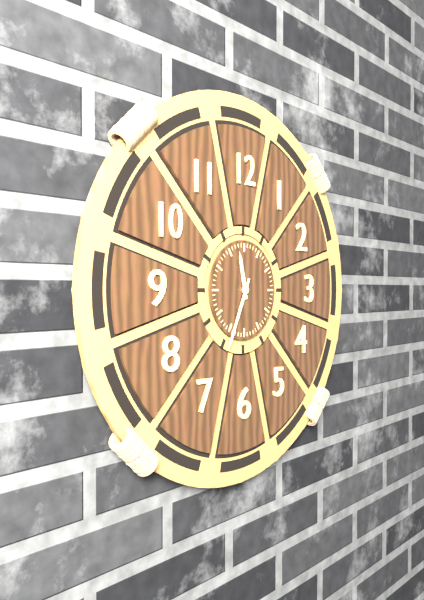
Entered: 11,34
